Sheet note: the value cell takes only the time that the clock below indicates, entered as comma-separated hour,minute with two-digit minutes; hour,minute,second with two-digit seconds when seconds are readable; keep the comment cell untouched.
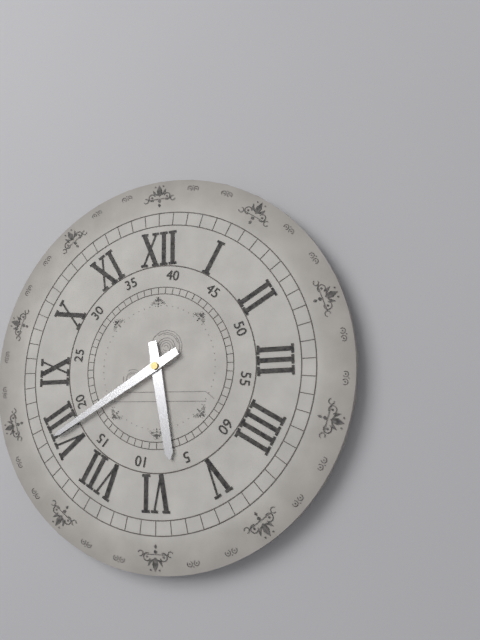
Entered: 5,40
